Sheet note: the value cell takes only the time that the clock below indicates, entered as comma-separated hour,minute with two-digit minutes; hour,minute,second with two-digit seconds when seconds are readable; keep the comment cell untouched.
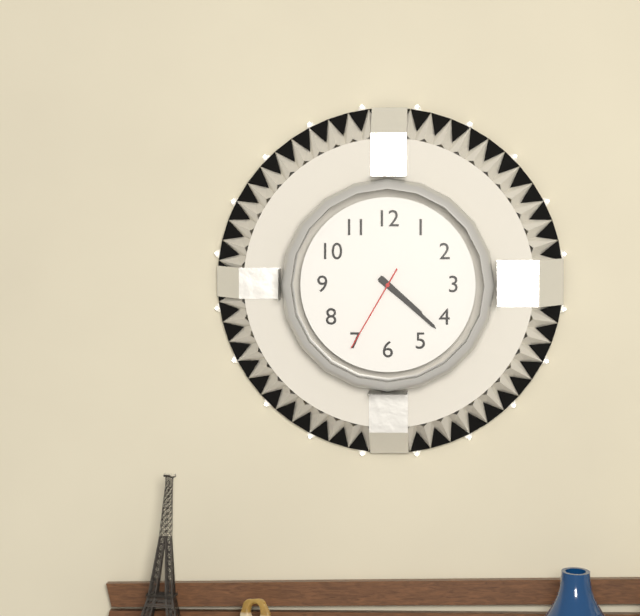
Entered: 4,22,35
